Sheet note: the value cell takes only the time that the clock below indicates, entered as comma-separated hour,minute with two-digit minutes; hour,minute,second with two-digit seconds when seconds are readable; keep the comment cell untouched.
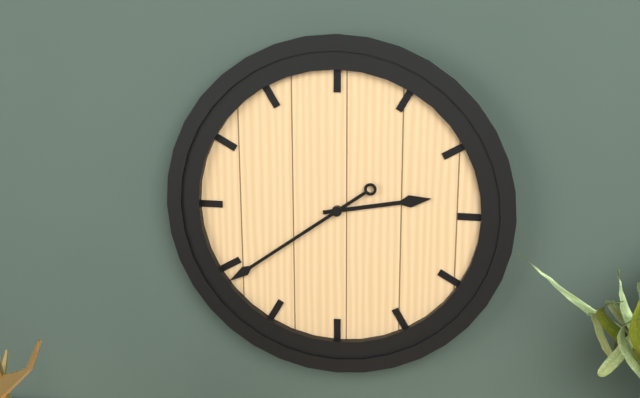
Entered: 2,39
